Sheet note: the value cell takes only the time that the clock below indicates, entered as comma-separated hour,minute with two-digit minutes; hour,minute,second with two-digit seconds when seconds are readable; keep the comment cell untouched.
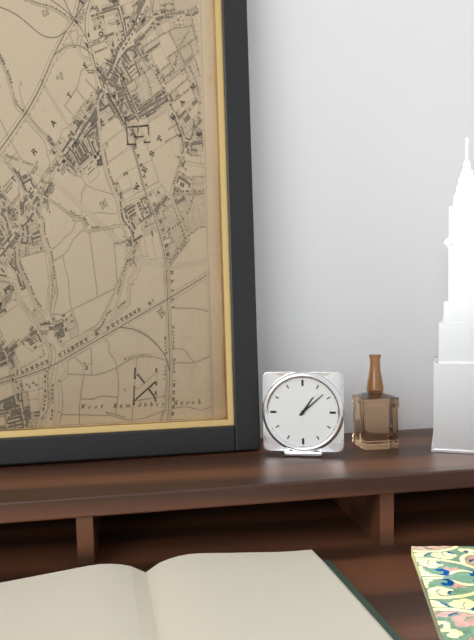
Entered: 1,08
